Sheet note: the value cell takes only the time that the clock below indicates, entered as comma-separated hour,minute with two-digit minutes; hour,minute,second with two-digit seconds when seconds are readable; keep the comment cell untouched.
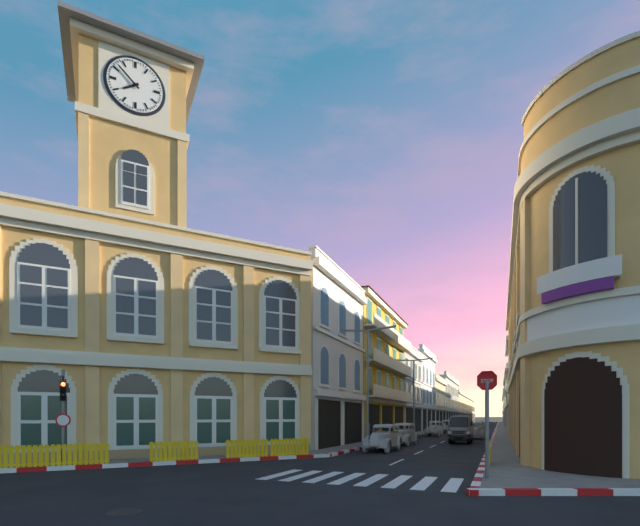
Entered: 7,52
